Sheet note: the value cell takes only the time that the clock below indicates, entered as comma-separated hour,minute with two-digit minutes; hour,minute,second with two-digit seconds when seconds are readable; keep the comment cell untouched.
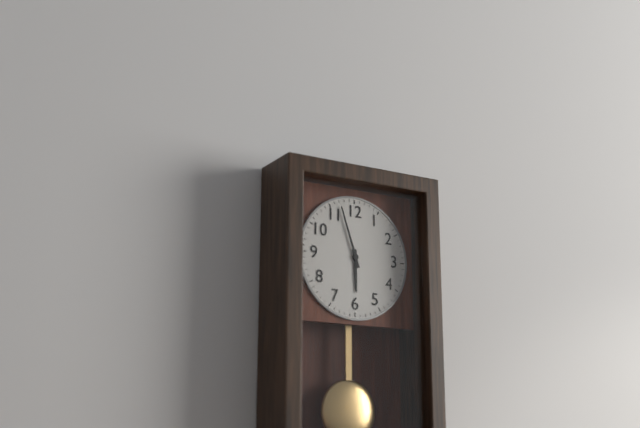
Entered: 5,57
